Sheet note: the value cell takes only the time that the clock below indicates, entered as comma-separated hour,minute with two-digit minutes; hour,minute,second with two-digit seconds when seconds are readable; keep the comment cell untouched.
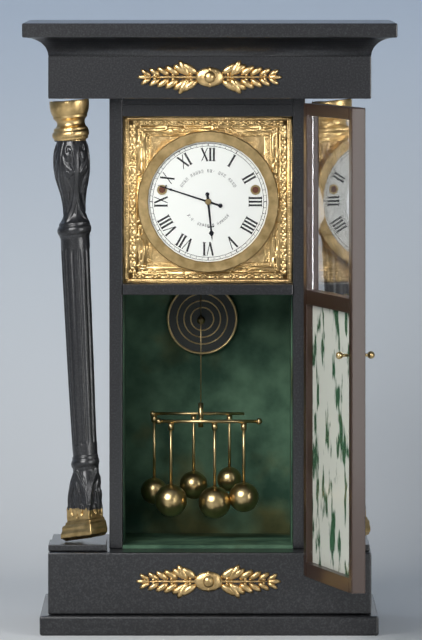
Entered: 5,48
